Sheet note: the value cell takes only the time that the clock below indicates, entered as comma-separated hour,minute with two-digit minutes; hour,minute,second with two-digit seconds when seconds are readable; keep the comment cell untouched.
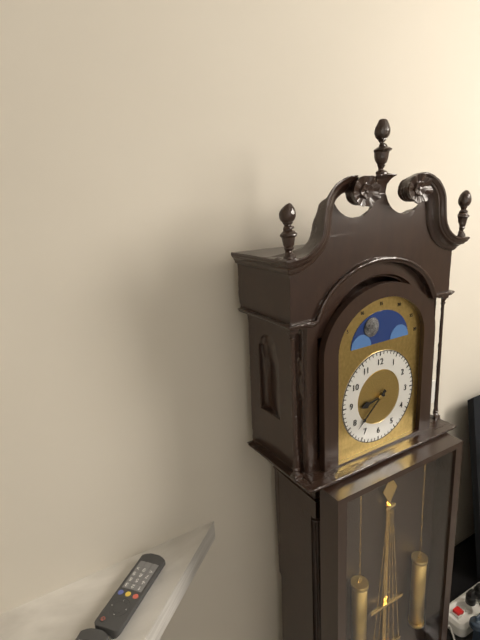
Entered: 8,38
